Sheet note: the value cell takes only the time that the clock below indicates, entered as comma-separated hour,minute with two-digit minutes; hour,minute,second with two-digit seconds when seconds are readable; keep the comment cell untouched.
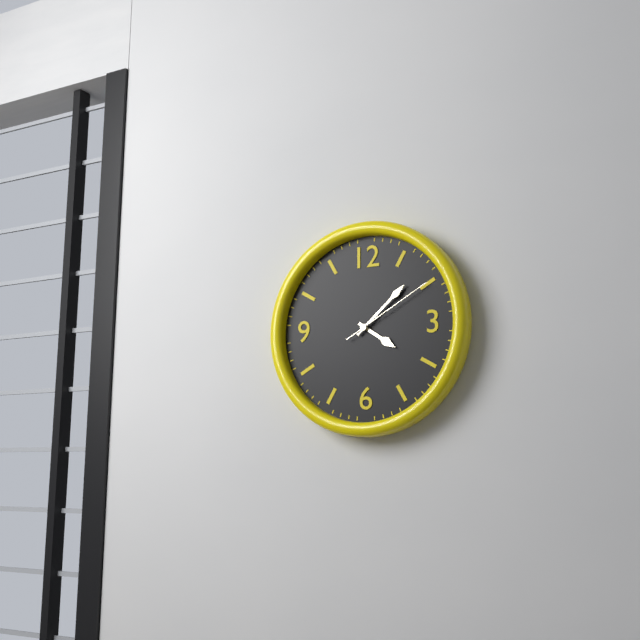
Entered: 4,08,10
